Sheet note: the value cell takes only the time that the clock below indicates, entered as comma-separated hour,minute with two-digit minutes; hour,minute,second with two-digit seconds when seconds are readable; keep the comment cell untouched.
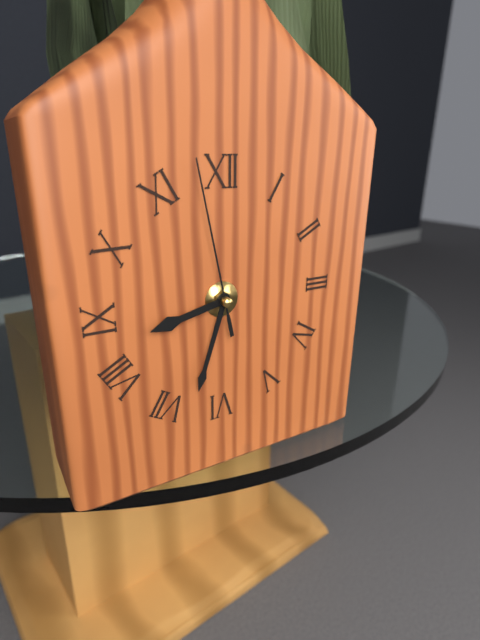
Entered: 8,33,58
